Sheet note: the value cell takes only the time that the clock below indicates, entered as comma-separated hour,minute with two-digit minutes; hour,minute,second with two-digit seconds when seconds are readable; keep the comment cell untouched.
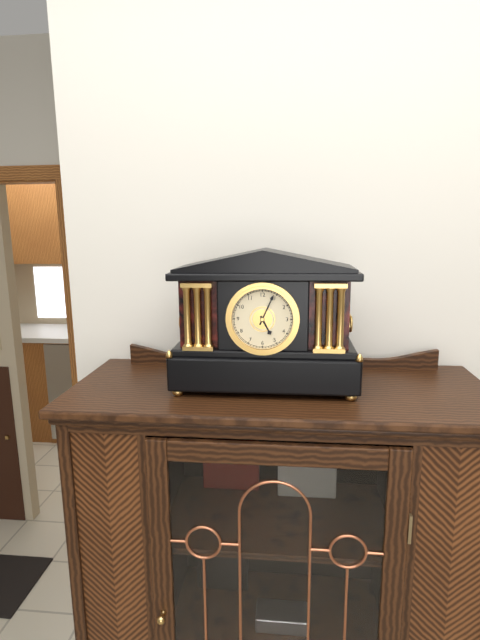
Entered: 5,04
